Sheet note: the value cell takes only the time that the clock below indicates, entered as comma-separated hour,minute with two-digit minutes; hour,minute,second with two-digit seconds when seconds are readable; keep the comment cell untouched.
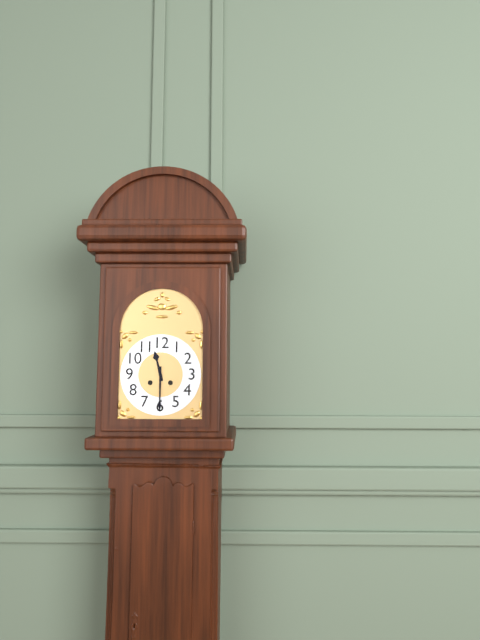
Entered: 11,30
